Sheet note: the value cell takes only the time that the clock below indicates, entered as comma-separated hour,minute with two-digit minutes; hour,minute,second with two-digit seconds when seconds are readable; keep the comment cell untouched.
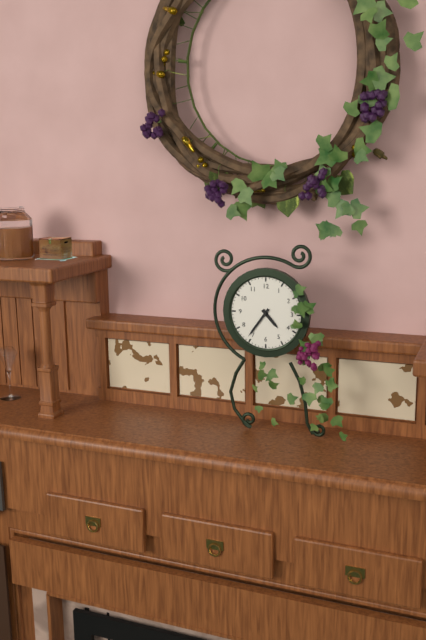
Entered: 4,36
